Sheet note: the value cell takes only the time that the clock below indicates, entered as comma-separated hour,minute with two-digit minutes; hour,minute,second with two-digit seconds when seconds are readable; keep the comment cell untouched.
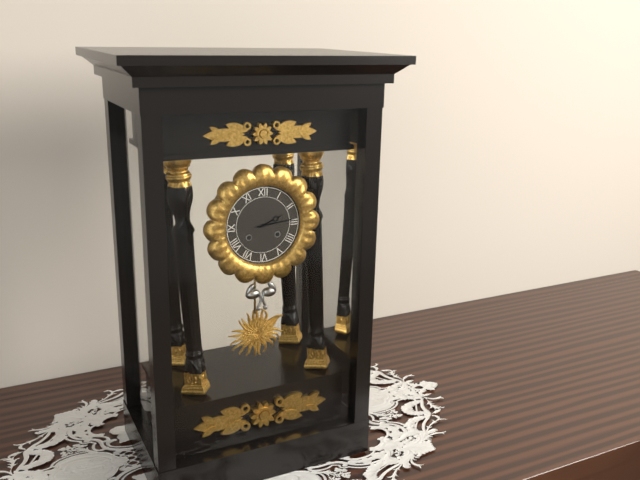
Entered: 2,14
